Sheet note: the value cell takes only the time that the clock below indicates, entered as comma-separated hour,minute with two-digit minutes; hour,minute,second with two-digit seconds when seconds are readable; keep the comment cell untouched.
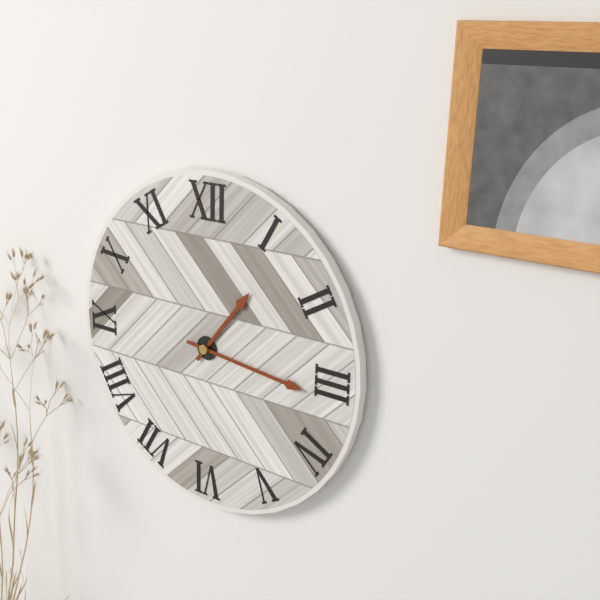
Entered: 1,16
